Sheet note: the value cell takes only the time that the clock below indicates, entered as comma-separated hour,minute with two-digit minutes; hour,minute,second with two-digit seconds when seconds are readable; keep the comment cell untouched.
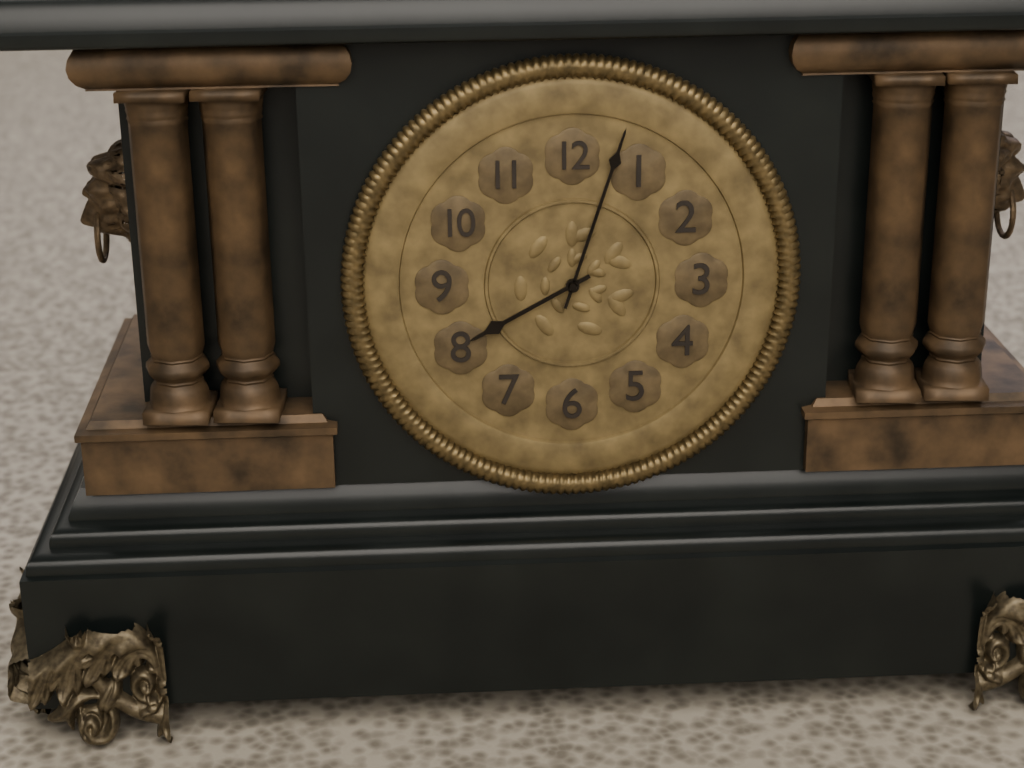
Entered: 8,03
